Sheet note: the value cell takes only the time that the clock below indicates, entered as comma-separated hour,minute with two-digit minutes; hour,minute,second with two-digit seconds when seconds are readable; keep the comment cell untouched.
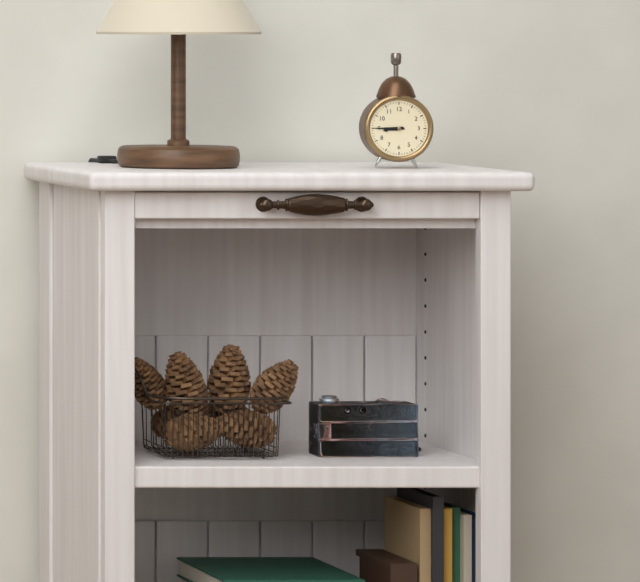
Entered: 8,45
